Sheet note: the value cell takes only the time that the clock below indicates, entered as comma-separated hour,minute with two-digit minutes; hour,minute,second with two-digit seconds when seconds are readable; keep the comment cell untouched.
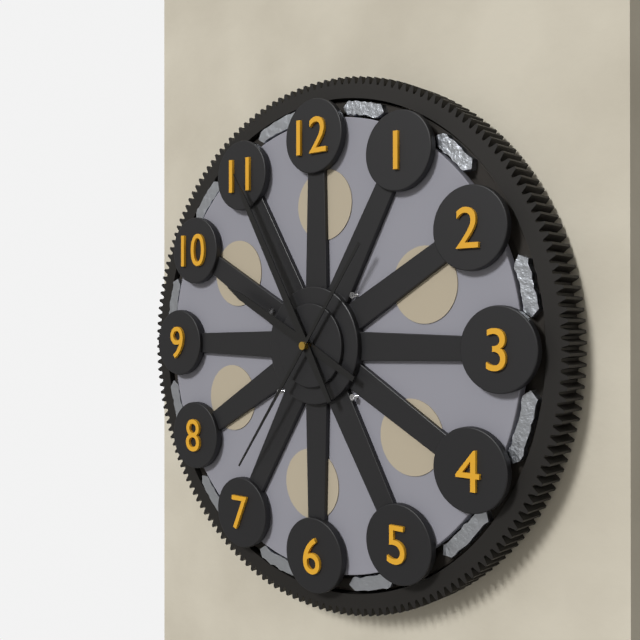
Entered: 9,55,36
